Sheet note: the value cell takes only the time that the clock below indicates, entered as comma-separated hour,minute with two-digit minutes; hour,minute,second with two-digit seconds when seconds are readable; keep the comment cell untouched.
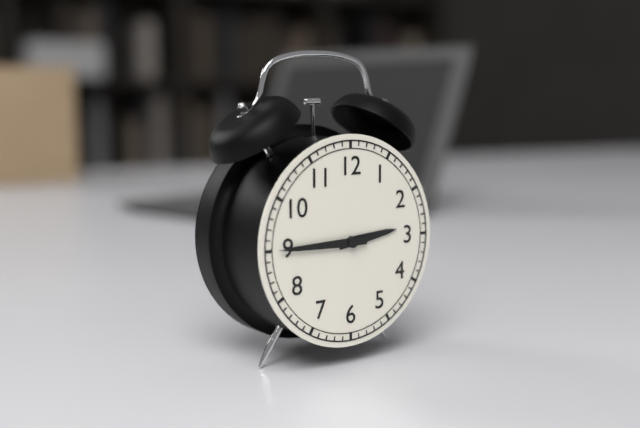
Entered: 2,45
